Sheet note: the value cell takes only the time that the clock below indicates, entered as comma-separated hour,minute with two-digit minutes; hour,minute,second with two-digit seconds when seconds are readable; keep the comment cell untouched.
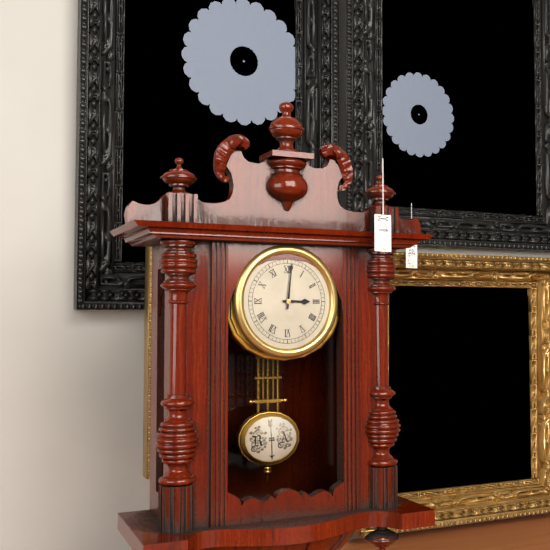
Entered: 3,01
